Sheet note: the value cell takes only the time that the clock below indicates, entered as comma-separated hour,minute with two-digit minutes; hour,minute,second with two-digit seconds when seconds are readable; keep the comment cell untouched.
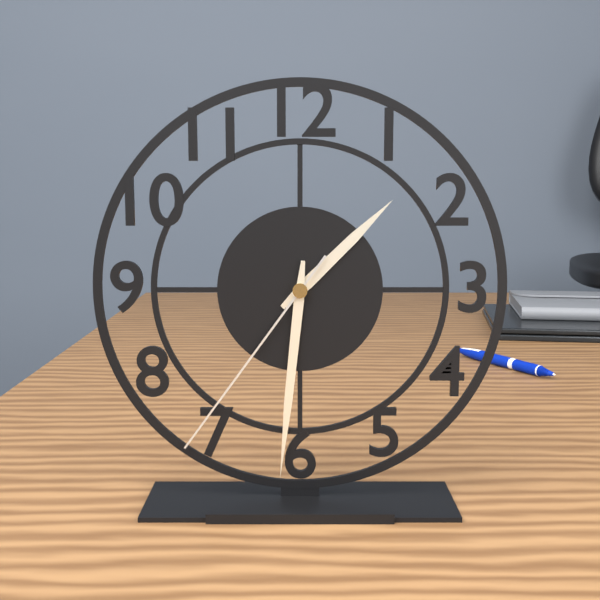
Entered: 1,31,36
